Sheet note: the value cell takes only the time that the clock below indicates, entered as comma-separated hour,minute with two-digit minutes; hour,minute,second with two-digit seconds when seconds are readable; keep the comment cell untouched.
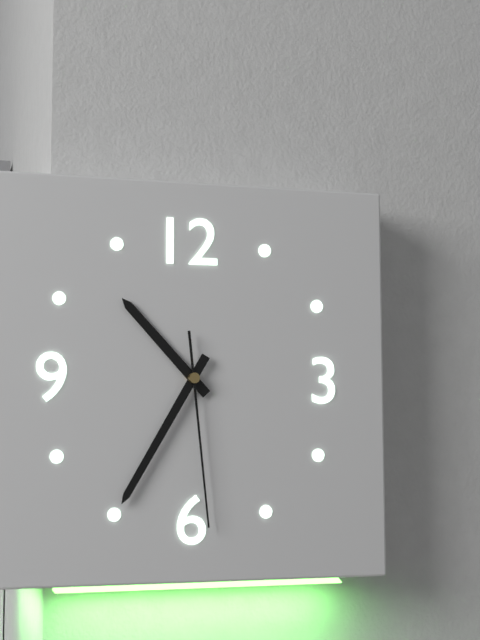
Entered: 10,35,29
